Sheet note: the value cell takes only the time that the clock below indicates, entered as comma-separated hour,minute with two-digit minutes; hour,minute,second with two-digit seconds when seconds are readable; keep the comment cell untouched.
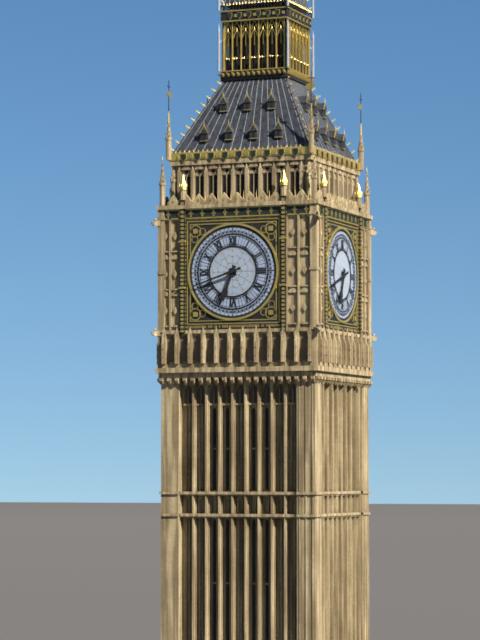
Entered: 6,42
